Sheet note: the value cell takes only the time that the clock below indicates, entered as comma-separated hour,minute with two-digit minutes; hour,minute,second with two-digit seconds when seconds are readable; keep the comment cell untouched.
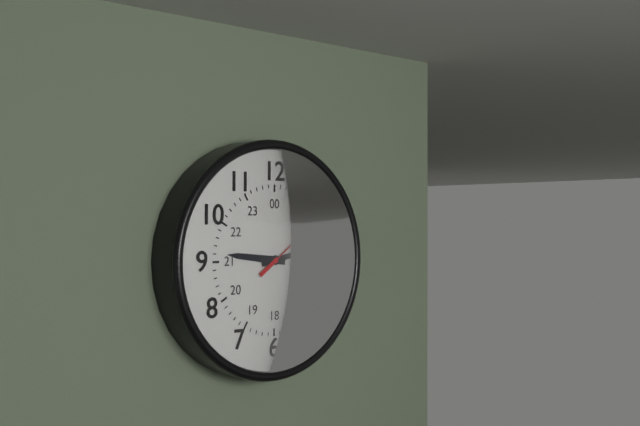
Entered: 9,13,09
